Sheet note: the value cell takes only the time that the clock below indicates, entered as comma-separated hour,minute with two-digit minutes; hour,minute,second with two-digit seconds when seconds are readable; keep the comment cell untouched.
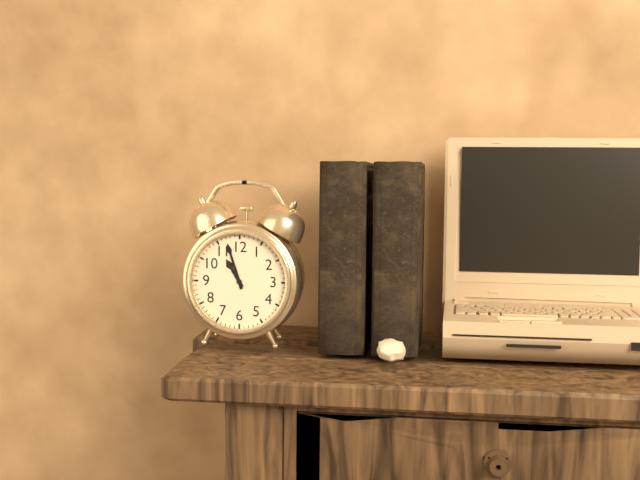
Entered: 10,57
